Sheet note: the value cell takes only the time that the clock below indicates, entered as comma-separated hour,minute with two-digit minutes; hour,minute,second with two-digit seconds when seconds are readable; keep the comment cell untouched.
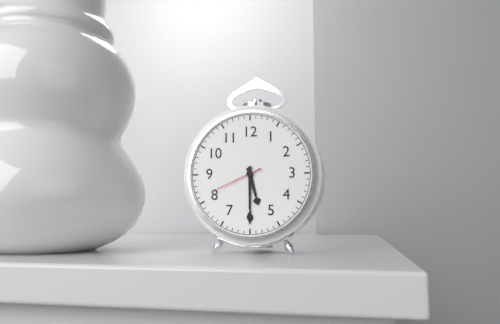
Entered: 5,30,41
